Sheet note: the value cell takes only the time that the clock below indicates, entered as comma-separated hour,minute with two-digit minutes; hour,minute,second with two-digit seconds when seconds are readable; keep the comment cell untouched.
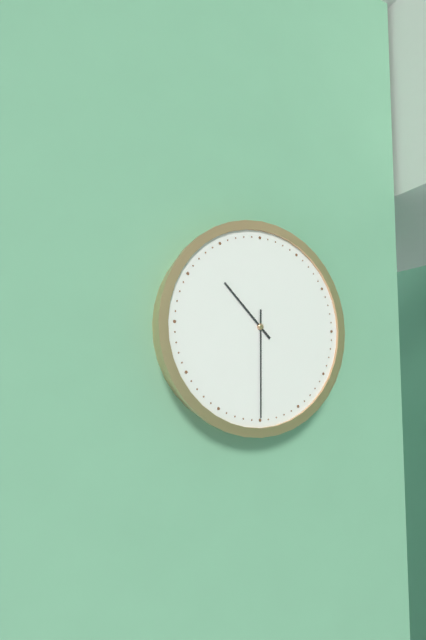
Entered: 10,30
